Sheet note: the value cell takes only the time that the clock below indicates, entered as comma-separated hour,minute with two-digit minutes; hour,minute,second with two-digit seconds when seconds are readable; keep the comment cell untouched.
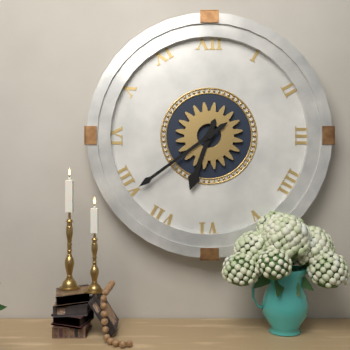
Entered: 6,39
